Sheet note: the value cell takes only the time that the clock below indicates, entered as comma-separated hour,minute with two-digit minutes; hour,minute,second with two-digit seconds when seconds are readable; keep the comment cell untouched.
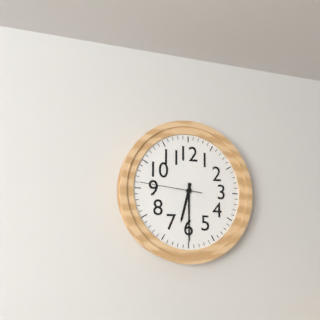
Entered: 6,30,46
